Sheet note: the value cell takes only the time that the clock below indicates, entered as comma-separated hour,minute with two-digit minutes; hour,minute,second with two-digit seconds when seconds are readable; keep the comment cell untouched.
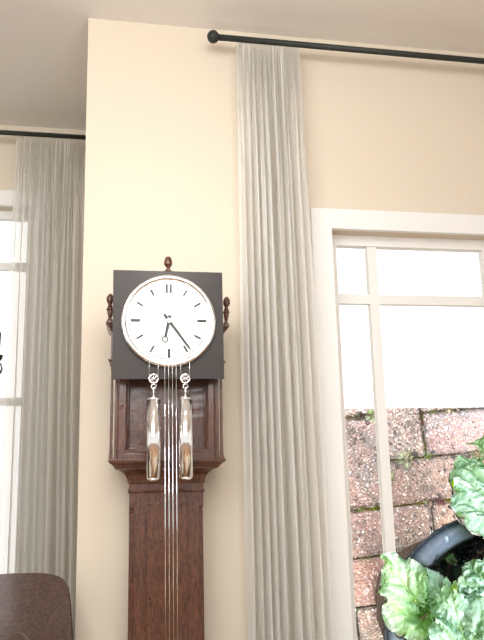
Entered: 6,24
